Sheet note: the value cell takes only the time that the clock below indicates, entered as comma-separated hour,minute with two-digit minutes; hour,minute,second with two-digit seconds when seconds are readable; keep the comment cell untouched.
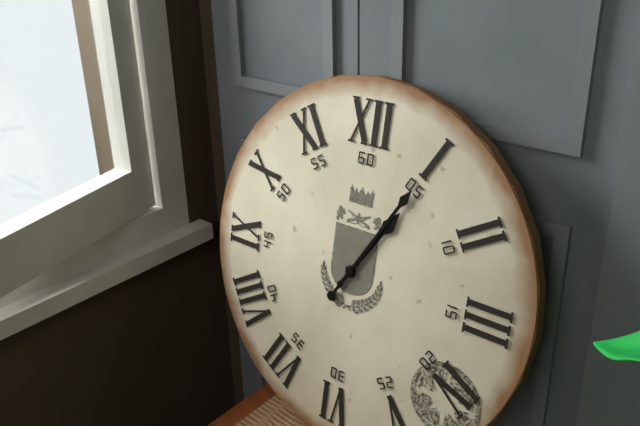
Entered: 1,05
